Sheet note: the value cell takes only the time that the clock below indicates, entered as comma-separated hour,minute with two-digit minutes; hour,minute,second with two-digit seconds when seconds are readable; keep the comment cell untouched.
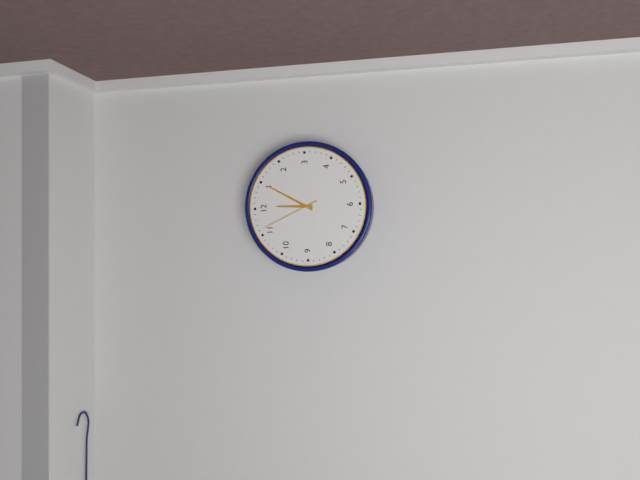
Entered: 12,05,56
